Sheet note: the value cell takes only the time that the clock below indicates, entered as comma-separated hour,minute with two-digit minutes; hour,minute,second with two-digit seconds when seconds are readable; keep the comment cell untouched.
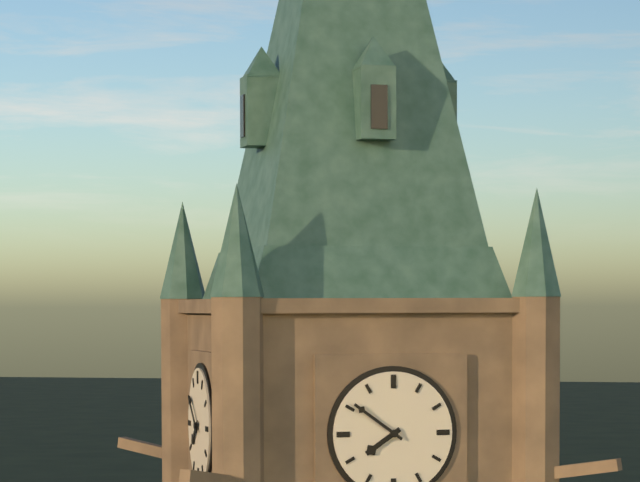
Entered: 7,51
